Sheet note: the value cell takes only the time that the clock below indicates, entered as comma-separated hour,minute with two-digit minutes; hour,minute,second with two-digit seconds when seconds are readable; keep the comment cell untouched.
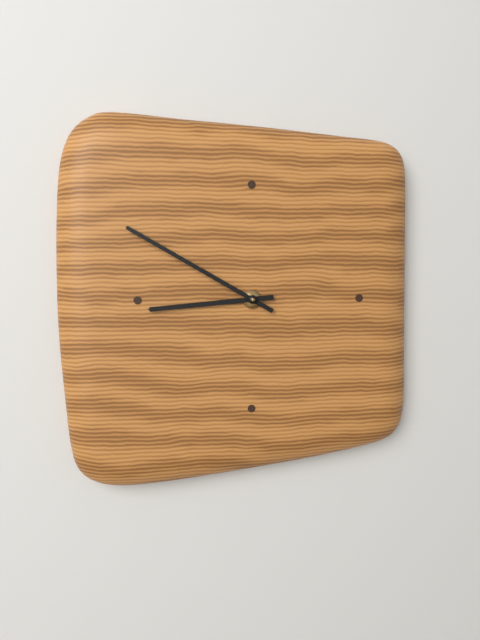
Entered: 8,50
